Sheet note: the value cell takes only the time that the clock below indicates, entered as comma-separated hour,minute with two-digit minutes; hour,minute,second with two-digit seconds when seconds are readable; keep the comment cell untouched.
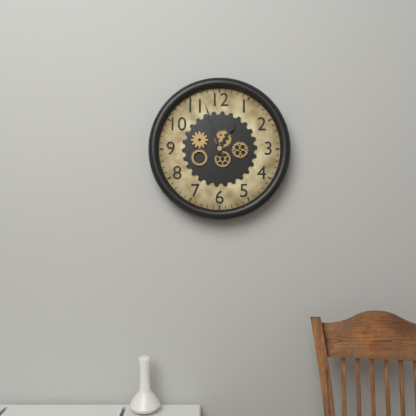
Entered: 12,57
